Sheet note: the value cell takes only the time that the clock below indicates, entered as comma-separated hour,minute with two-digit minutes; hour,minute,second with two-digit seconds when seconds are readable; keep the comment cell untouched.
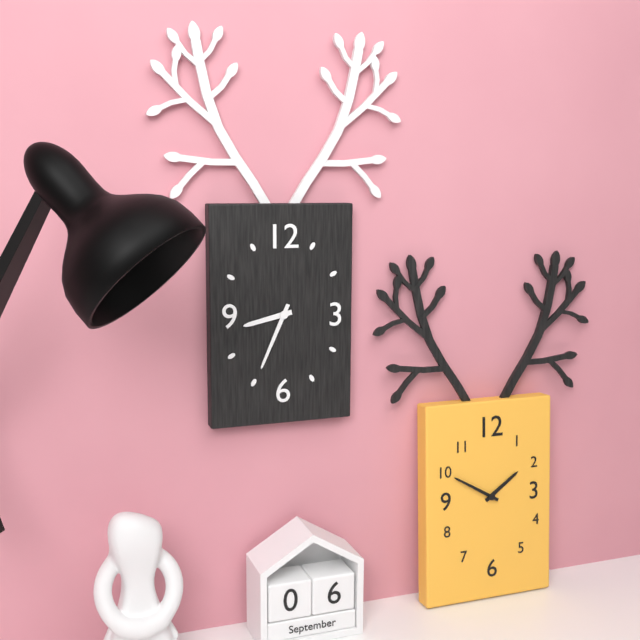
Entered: 8,34
